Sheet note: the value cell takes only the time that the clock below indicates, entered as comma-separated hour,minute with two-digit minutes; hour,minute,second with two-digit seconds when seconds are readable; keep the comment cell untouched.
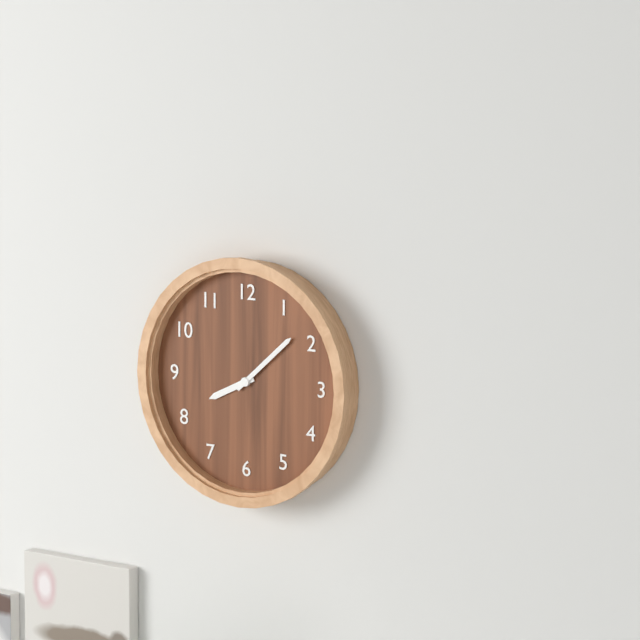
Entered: 8,08
